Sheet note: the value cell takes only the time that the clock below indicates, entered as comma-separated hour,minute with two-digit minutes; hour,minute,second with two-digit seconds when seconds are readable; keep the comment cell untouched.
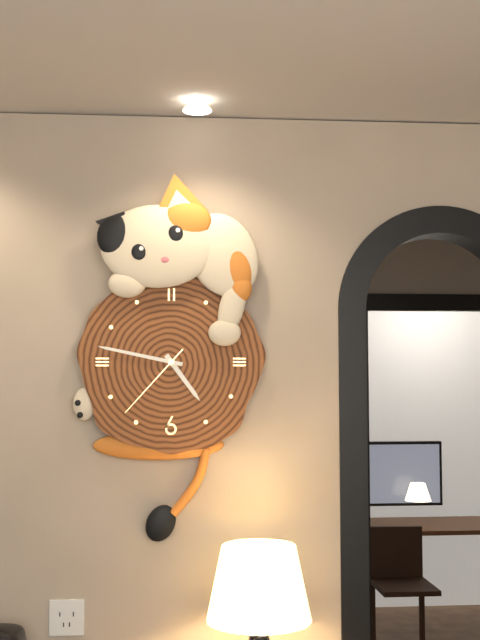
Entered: 4,47,37
